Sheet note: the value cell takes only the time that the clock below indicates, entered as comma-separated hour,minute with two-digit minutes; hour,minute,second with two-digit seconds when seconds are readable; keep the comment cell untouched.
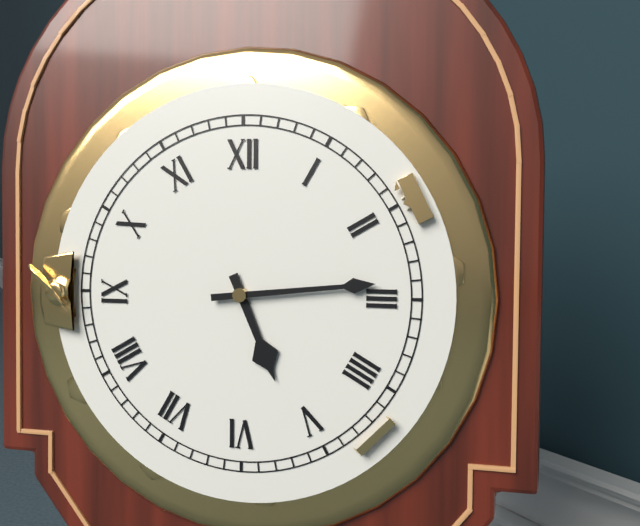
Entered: 5,14
